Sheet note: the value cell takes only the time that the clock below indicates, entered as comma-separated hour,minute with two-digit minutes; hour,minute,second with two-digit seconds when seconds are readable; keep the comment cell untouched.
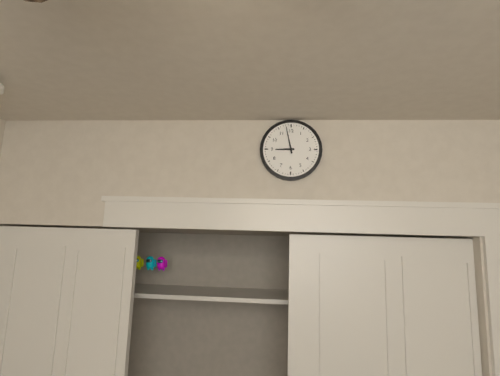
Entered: 8,58
